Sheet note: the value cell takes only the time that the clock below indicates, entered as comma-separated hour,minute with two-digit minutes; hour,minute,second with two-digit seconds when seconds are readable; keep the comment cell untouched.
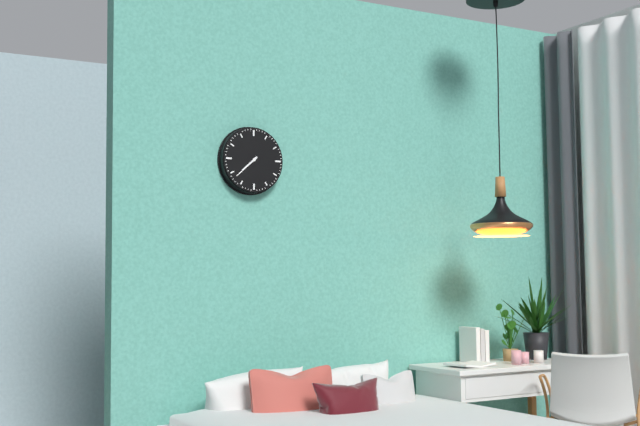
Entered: 7,38
